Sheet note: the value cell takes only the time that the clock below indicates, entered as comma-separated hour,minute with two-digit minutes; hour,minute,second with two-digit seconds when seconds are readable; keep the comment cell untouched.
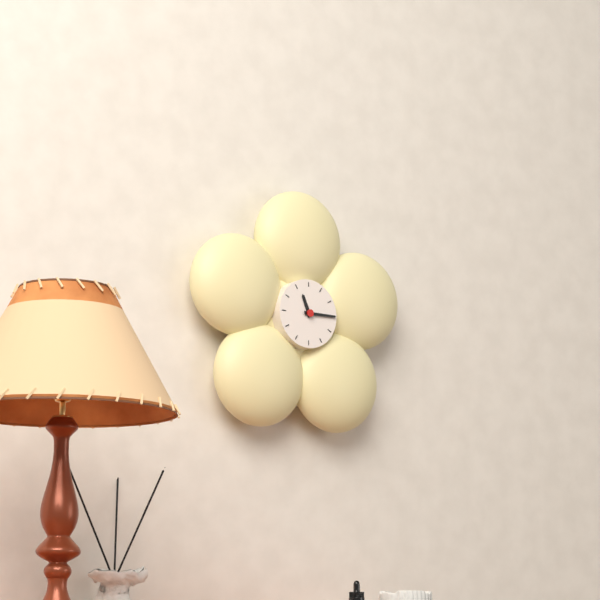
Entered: 11,15
